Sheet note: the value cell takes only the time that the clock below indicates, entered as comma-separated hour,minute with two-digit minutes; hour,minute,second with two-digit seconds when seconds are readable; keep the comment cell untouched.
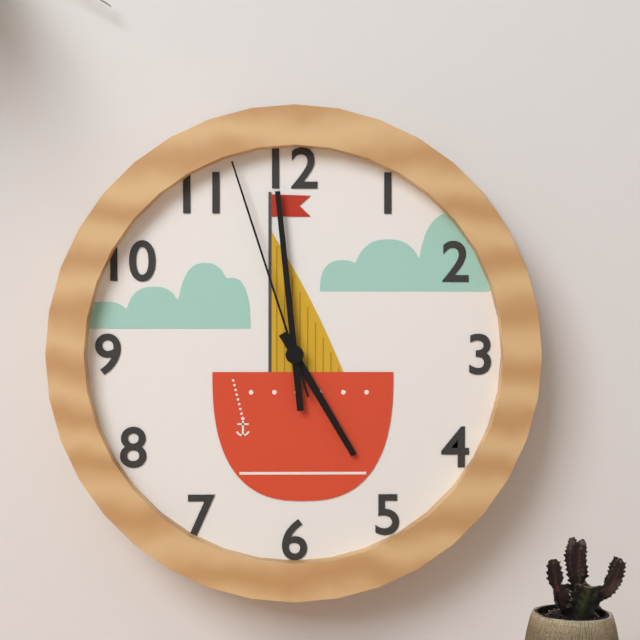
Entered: 4,59,57
